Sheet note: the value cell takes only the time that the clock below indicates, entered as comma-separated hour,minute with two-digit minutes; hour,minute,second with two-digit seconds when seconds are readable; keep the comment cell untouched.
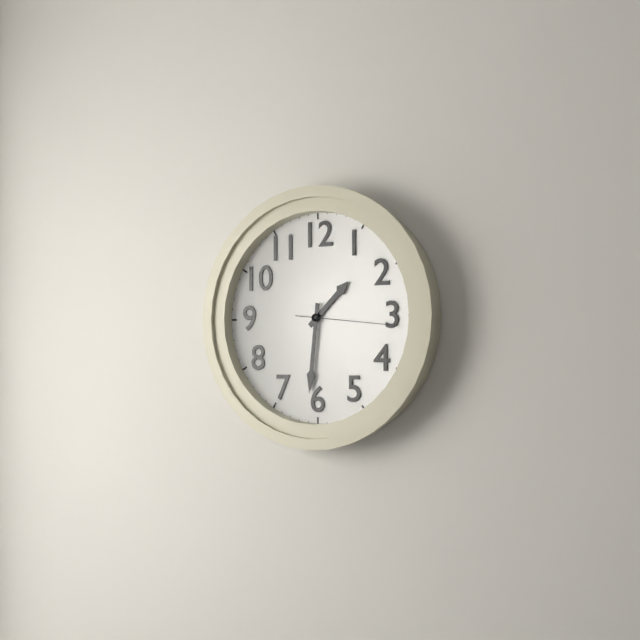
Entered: 1,31,16
